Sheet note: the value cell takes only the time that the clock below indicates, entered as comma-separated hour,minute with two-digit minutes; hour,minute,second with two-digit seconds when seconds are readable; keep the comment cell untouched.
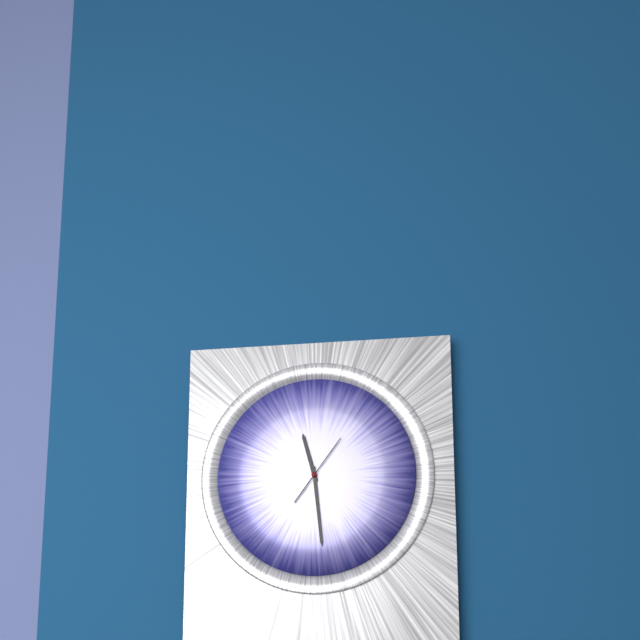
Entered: 11,29,06
